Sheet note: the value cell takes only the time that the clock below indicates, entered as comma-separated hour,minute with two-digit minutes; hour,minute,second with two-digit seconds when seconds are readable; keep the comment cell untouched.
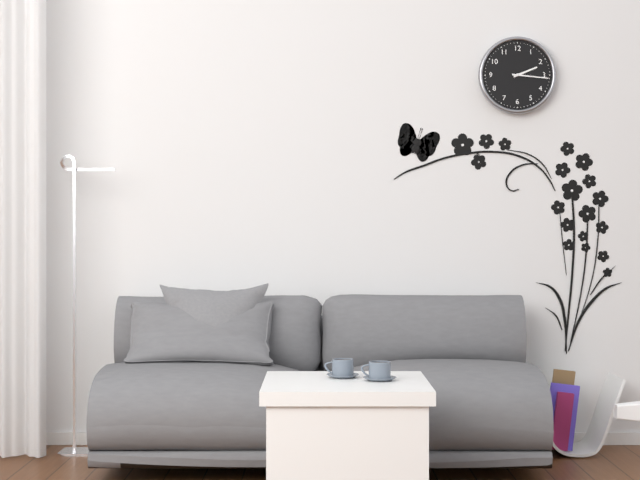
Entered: 2,16
